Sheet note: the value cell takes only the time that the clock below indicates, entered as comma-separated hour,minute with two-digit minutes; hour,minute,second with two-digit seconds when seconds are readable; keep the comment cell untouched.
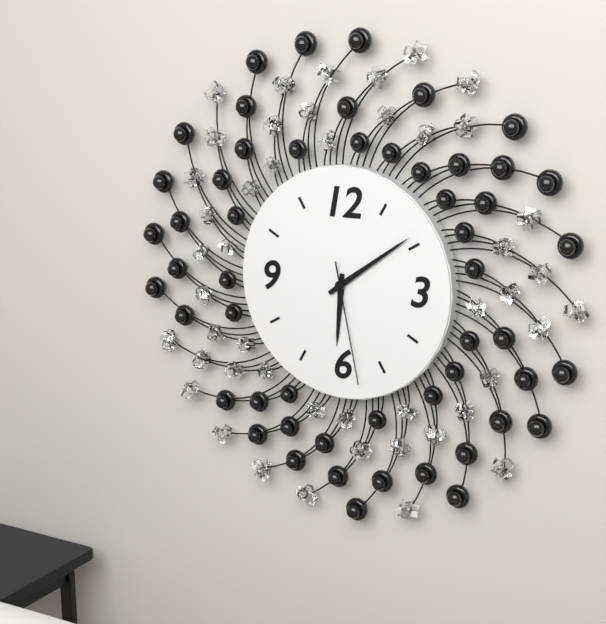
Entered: 6,09,28
